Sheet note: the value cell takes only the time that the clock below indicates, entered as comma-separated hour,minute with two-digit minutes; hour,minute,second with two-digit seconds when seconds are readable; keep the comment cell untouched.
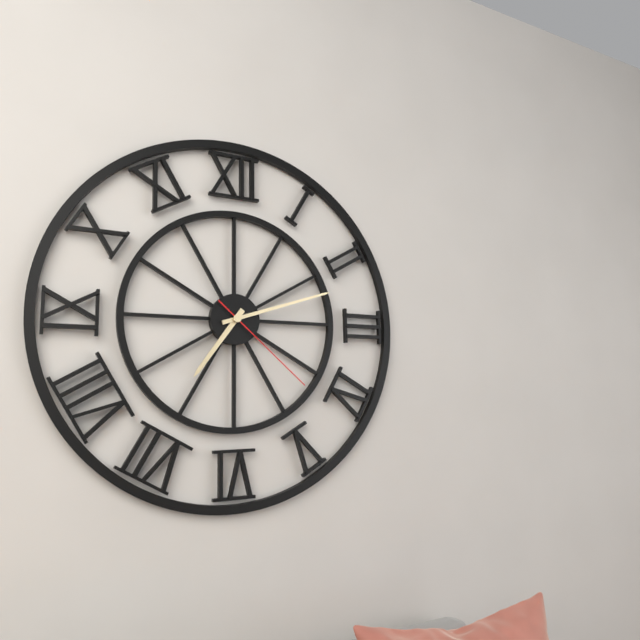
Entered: 7,12,22
